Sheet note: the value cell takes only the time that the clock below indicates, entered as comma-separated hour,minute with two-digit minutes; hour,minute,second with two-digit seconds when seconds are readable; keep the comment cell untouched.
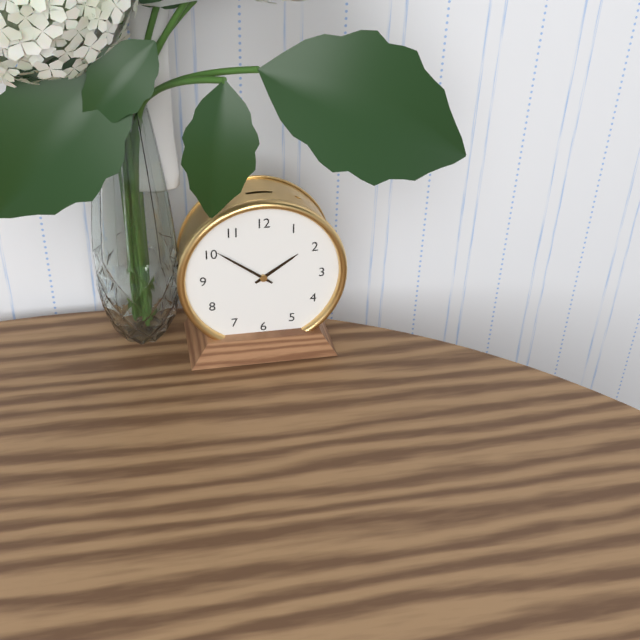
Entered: 1,51
